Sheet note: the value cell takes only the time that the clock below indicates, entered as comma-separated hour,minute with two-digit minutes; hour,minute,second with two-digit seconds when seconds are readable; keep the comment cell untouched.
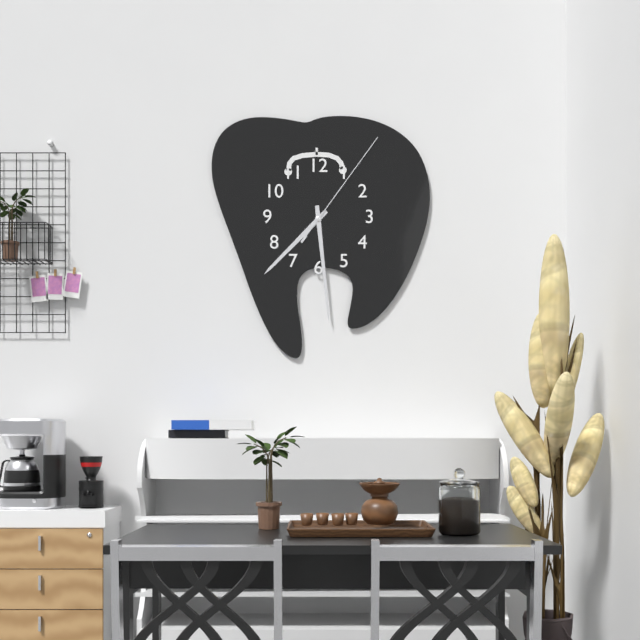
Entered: 7,29,06
